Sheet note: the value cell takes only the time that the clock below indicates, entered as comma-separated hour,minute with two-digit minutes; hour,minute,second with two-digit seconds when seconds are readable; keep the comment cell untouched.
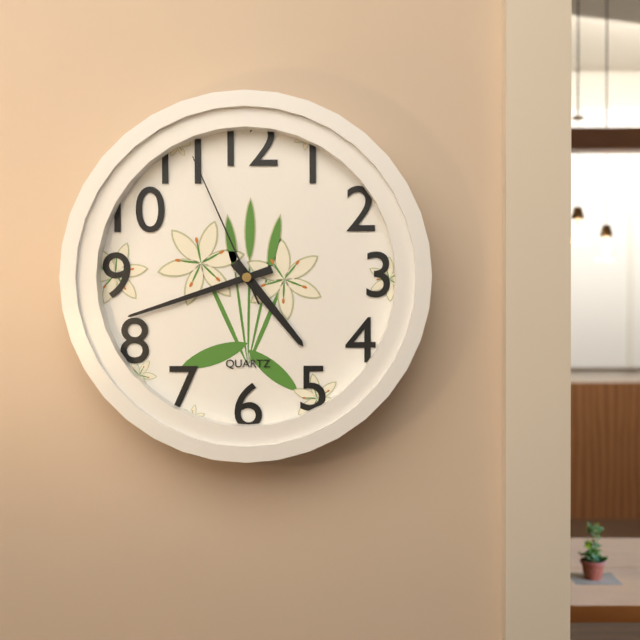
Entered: 4,42,56
